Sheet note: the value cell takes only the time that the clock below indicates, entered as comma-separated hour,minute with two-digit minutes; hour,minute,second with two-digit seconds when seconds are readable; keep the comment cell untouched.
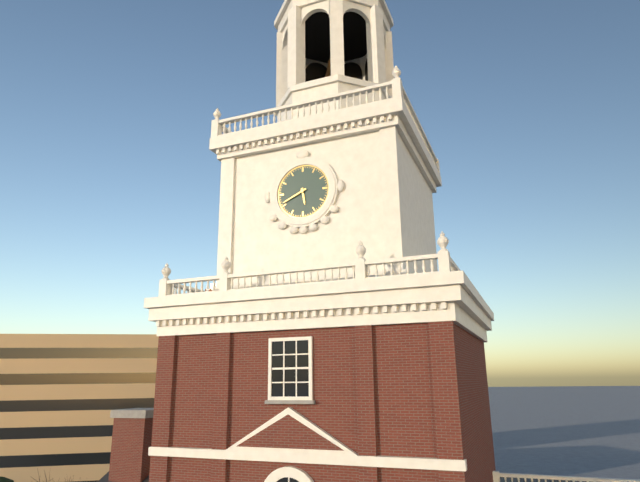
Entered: 5,41
